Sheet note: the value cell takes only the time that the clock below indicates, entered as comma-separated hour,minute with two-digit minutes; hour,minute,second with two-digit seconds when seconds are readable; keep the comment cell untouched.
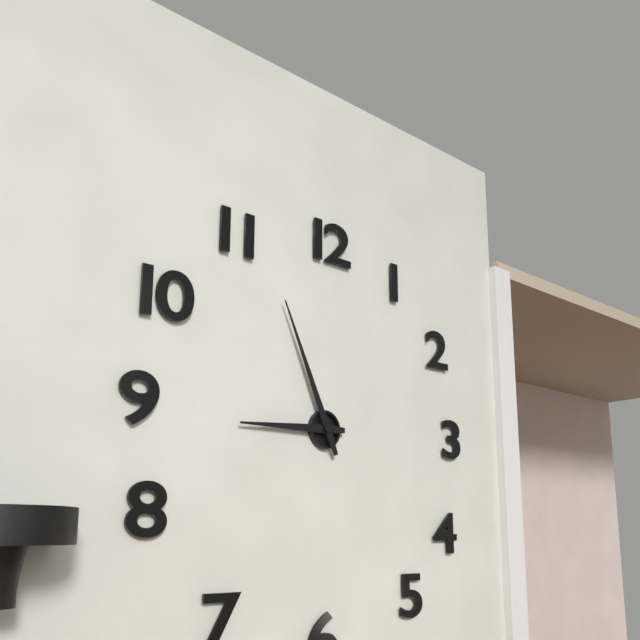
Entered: 8,56
